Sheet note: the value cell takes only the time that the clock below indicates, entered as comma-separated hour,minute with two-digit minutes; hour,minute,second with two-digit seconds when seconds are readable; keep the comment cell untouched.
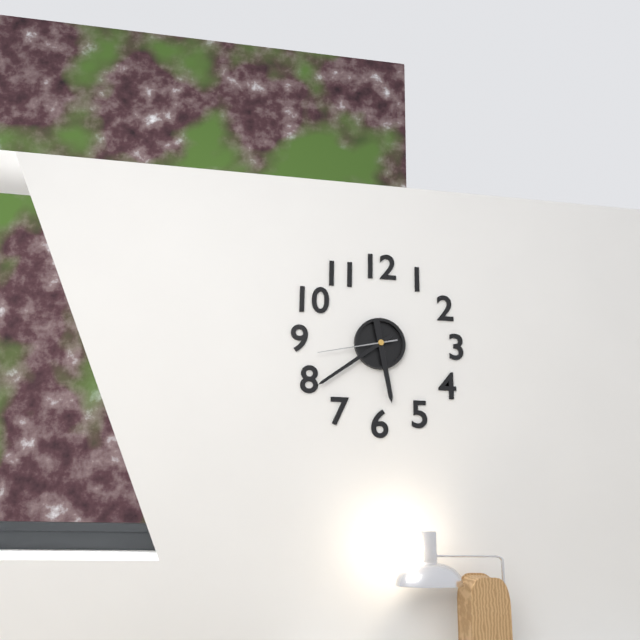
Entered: 5,39,43
